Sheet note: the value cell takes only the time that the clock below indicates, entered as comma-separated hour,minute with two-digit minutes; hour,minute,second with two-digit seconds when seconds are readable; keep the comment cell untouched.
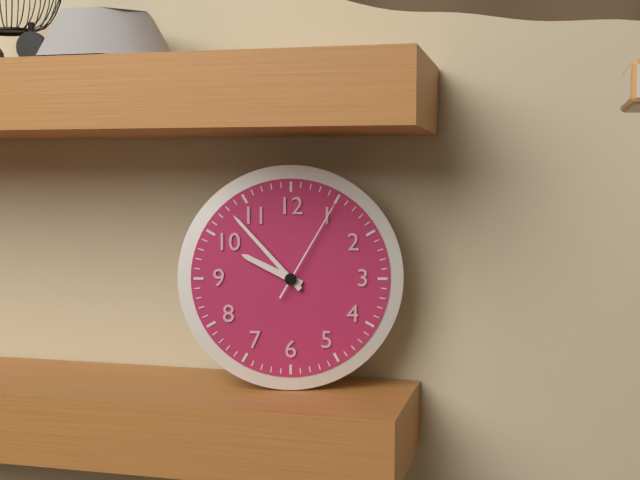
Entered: 9,53,05
